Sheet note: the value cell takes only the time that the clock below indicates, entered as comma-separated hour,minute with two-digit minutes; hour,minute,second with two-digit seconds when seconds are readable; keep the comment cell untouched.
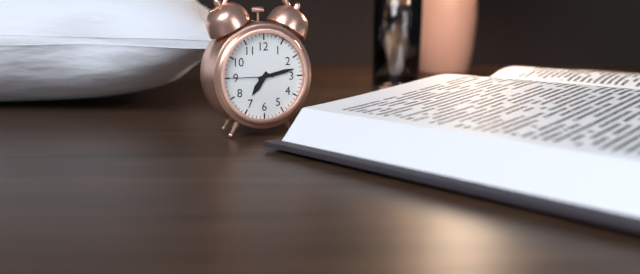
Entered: 7,13
